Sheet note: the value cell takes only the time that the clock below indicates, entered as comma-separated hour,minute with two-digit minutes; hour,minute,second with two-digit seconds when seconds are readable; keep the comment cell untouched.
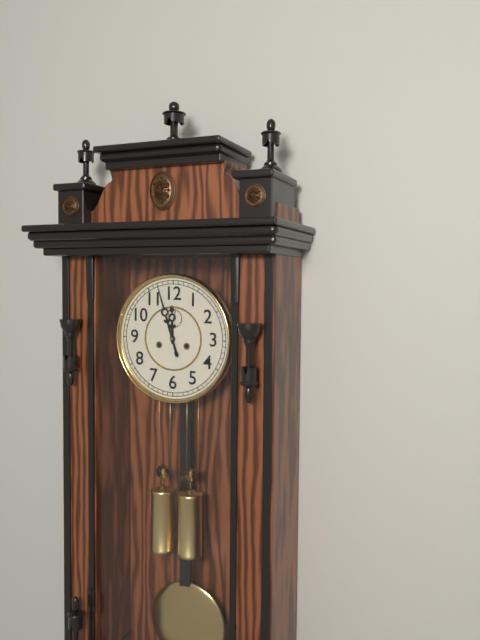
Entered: 11,57
